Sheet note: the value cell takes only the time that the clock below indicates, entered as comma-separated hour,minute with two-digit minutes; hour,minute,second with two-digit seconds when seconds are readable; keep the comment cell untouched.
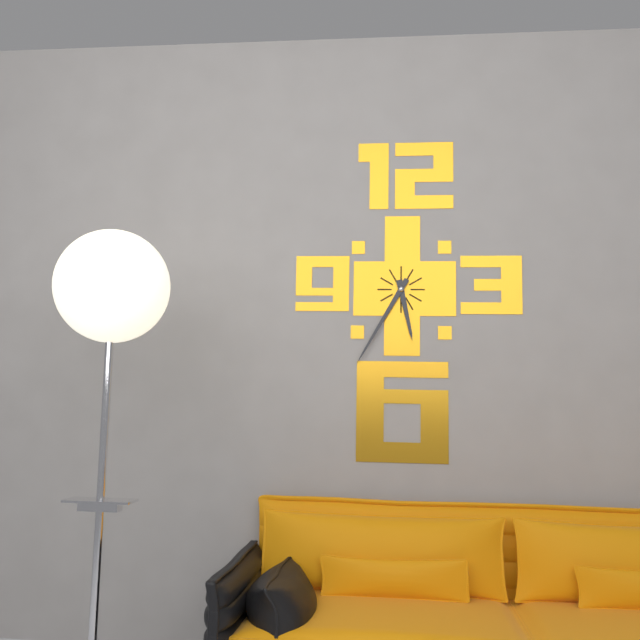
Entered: 5,35
